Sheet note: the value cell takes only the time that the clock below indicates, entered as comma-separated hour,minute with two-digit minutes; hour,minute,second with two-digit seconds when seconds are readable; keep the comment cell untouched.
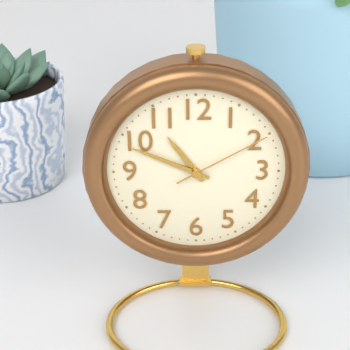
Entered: 10,49,10
